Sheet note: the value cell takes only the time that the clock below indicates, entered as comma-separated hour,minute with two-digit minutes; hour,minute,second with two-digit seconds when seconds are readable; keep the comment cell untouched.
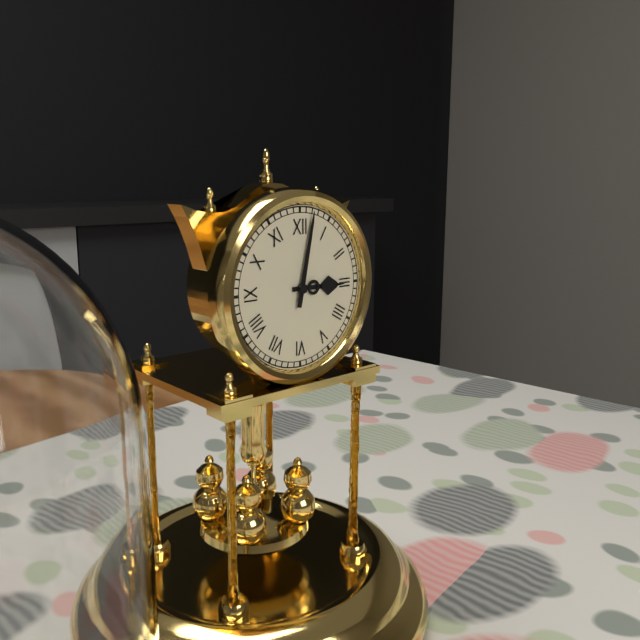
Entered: 3,02
